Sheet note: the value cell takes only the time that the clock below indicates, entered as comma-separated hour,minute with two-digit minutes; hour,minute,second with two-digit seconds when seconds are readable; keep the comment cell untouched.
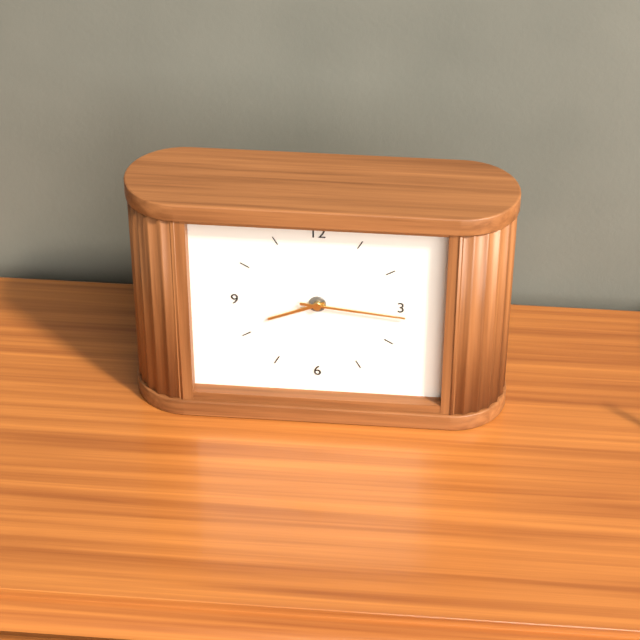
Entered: 8,16
